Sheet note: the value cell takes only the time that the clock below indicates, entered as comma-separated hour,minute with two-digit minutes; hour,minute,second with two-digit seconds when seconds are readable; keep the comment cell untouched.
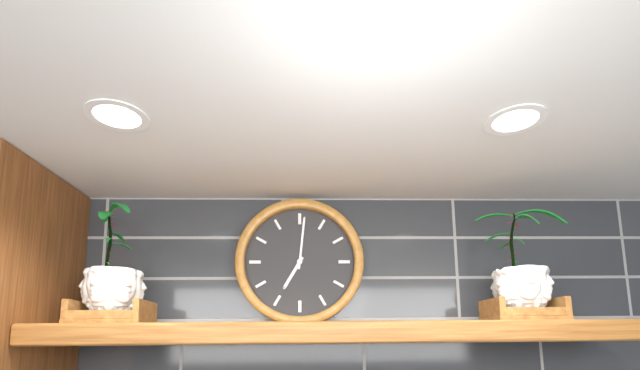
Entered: 7,01
